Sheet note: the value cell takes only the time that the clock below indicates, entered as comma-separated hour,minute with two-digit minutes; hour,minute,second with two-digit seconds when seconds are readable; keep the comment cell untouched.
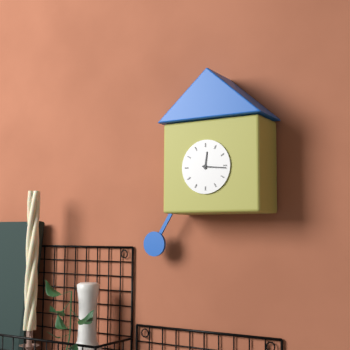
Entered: 12,16
